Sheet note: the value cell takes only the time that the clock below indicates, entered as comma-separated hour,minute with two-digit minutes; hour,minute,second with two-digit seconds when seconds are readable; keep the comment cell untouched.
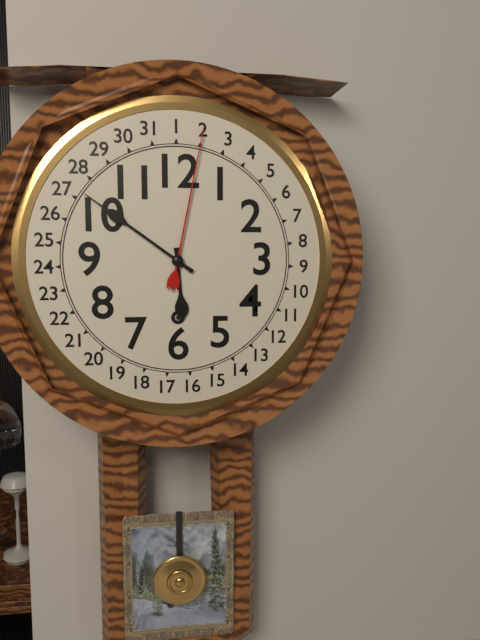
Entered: 5,51
